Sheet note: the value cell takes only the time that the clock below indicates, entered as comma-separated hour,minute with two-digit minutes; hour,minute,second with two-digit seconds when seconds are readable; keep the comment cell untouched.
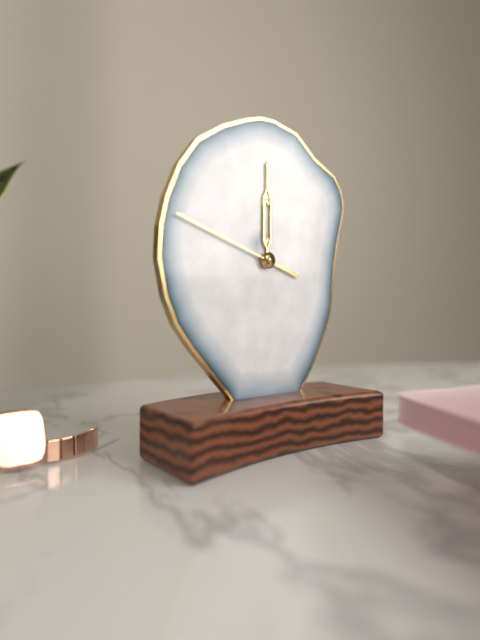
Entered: 12,00,48
